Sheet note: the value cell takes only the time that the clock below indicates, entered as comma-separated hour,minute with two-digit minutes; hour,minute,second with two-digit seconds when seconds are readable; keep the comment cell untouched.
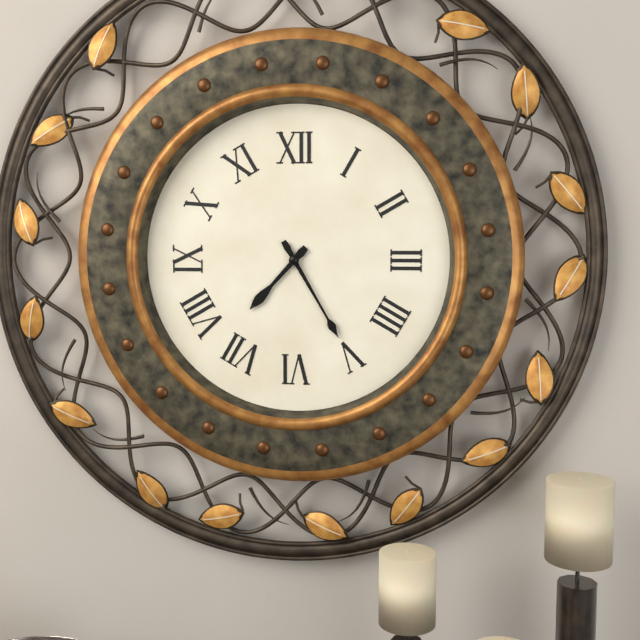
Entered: 7,25
